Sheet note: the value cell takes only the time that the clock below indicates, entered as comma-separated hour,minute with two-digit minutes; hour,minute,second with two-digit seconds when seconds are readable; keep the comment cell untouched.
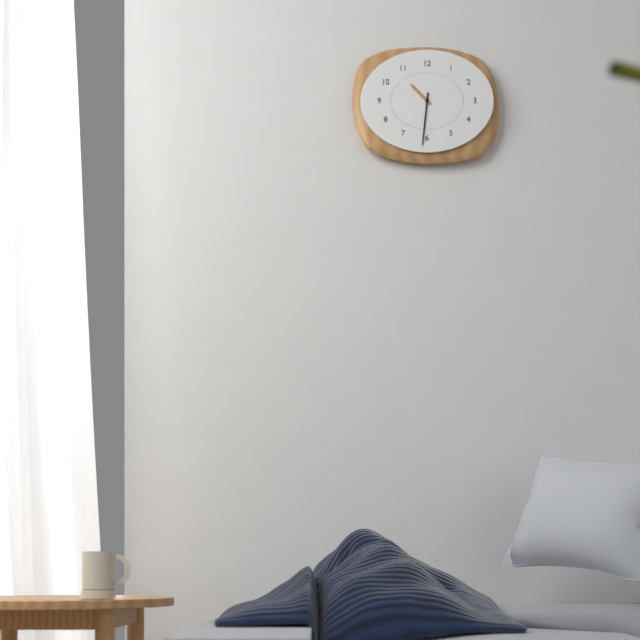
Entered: 10,31
